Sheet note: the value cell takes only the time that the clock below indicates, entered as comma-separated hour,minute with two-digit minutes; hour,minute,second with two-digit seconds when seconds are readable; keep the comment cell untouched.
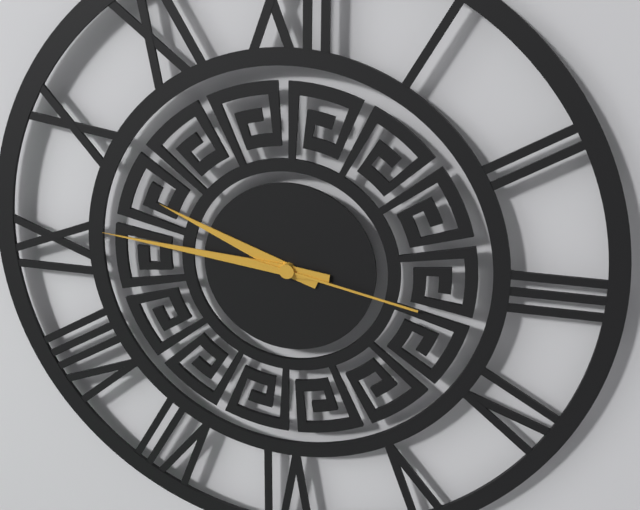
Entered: 9,46,17
